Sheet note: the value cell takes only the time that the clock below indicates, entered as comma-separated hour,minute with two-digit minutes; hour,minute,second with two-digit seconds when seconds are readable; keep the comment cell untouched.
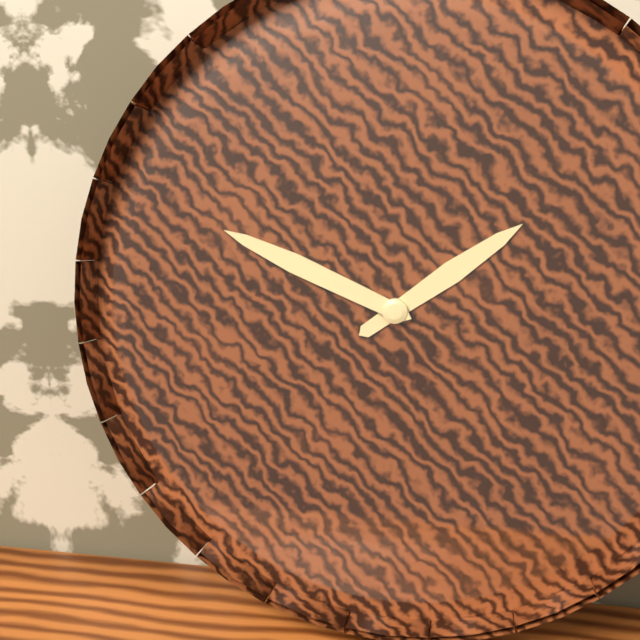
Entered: 1,49
